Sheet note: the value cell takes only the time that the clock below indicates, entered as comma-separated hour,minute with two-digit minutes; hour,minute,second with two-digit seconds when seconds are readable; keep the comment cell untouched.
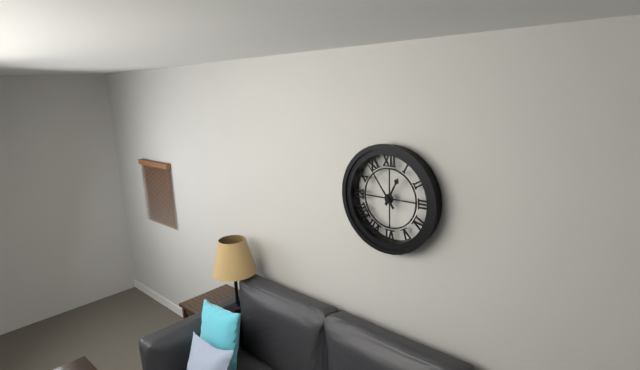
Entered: 12,54
